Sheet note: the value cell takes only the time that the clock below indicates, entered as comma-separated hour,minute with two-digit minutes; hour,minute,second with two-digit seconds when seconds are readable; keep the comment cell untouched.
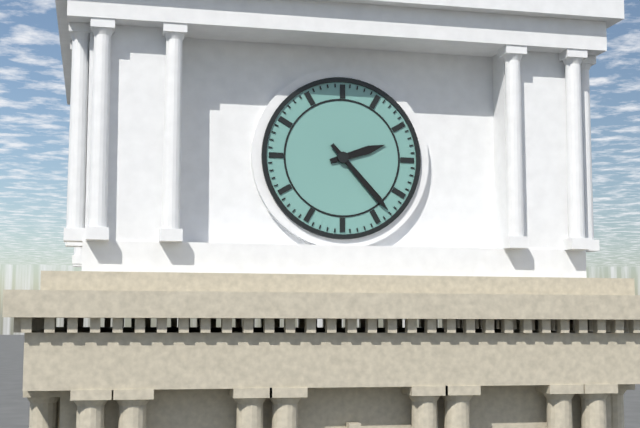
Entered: 2,23
